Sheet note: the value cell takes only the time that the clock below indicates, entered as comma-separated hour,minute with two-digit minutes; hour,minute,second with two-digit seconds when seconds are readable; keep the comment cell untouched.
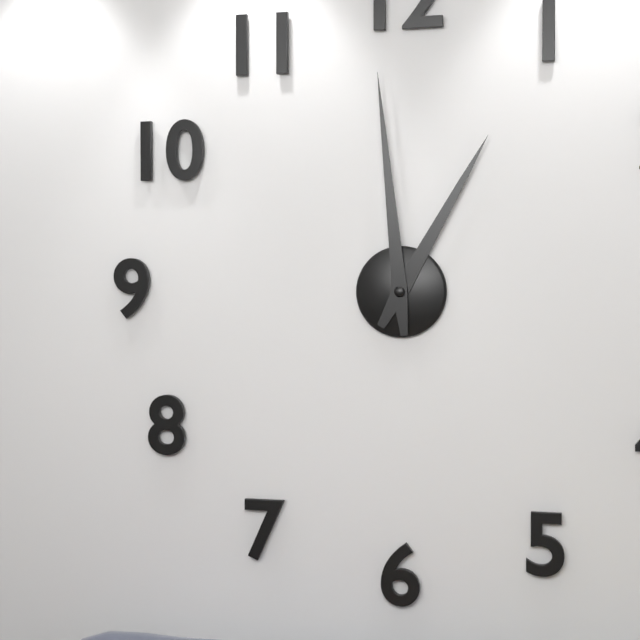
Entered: 12,59
